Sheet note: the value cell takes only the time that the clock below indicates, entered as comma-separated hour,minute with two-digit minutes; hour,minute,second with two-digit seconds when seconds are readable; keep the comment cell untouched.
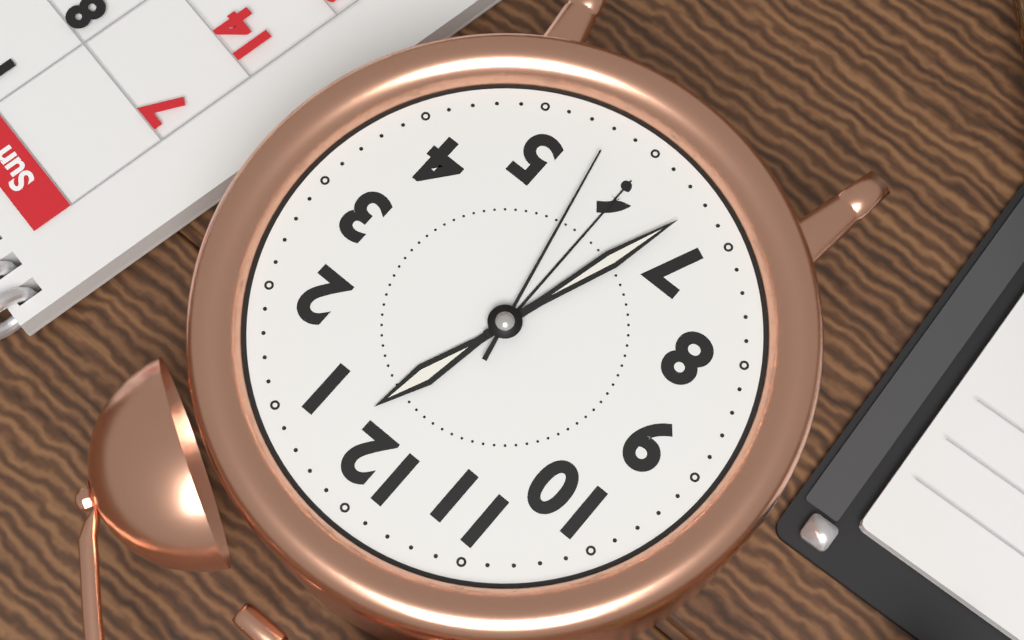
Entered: 12,33,28
